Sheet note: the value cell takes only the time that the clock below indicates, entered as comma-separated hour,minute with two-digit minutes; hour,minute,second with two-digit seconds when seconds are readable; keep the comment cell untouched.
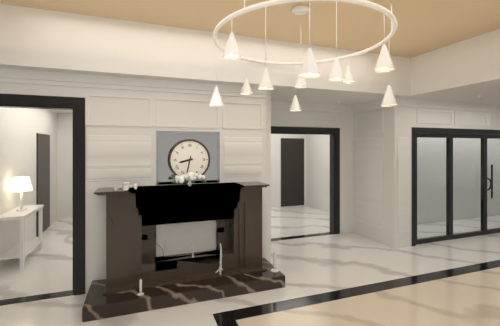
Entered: 8,32
